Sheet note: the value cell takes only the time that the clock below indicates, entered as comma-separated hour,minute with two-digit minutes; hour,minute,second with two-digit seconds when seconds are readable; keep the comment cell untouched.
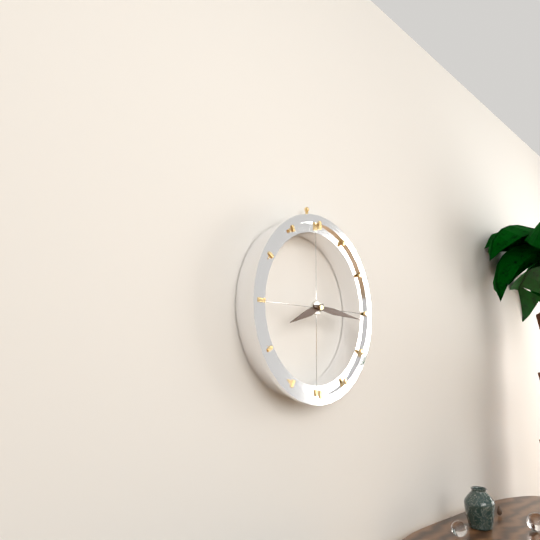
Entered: 8,16
